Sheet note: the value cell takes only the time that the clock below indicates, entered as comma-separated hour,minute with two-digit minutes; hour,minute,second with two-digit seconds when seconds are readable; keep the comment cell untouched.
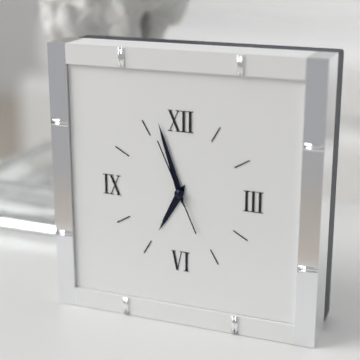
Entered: 6,57,56
